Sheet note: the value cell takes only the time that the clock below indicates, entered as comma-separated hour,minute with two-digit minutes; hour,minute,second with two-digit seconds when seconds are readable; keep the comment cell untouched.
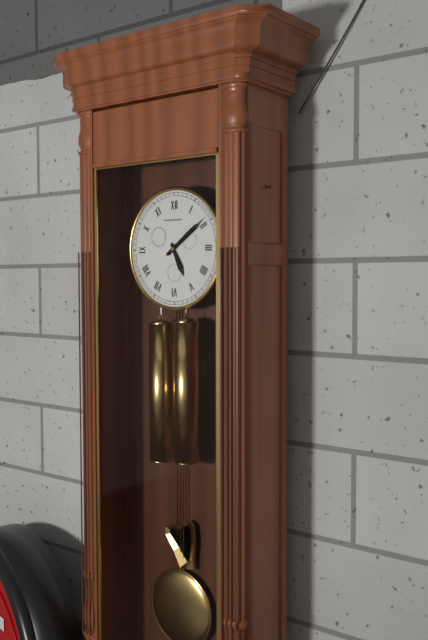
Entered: 5,09
